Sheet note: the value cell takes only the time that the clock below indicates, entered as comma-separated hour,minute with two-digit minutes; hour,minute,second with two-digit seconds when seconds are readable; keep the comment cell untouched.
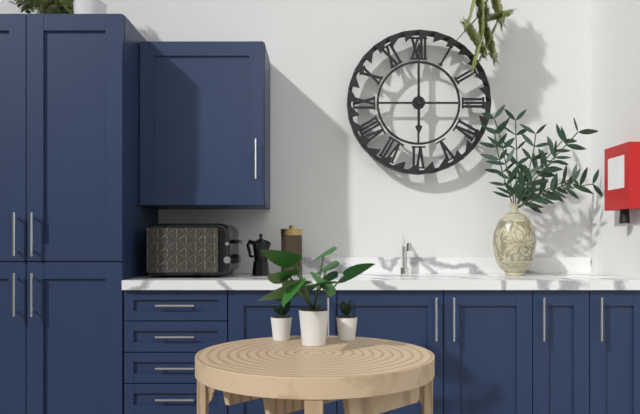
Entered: 6,00
